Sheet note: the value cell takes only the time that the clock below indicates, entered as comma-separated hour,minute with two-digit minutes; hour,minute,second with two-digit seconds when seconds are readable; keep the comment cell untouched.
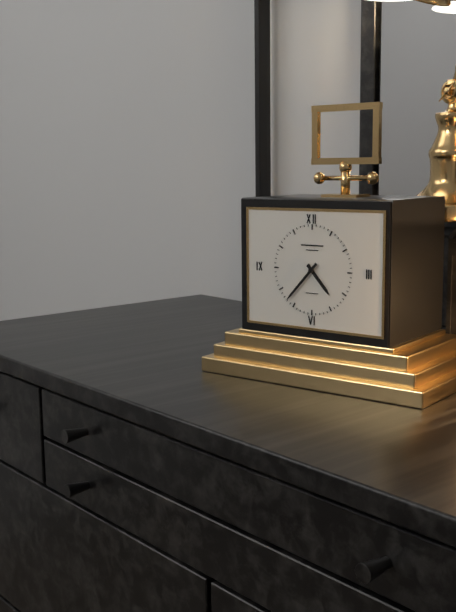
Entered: 4,37
